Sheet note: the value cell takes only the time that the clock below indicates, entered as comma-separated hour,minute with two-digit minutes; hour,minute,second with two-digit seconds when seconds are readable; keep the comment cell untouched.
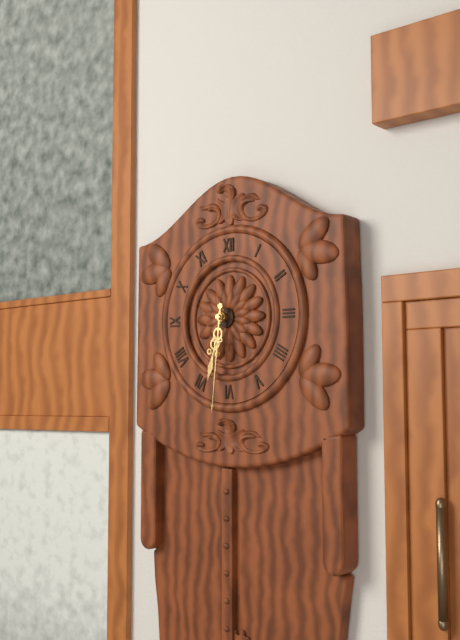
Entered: 6,31
